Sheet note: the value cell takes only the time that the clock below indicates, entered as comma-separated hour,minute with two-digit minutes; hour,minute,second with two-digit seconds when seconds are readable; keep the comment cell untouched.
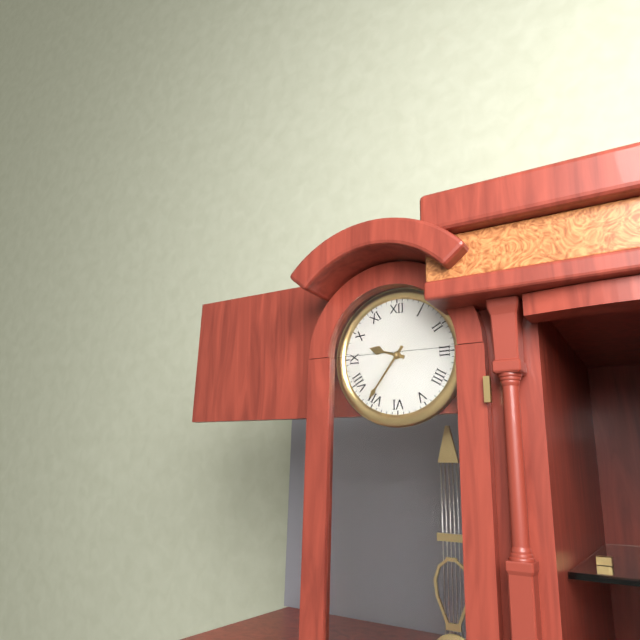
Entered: 9,36
